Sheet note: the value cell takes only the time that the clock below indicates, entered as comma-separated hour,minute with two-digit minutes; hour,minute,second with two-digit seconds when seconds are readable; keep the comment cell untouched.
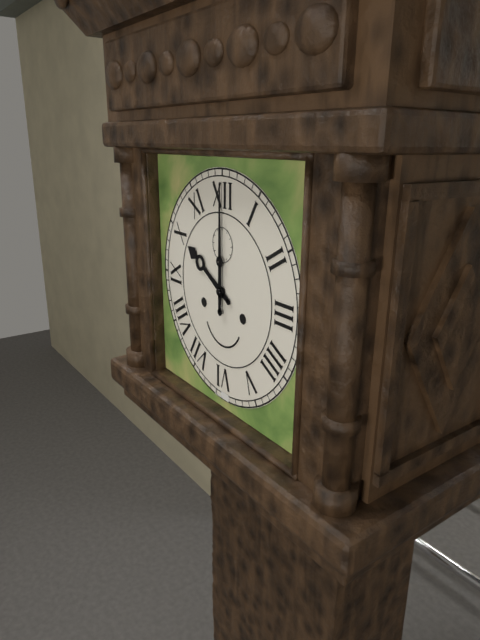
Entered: 10,00
